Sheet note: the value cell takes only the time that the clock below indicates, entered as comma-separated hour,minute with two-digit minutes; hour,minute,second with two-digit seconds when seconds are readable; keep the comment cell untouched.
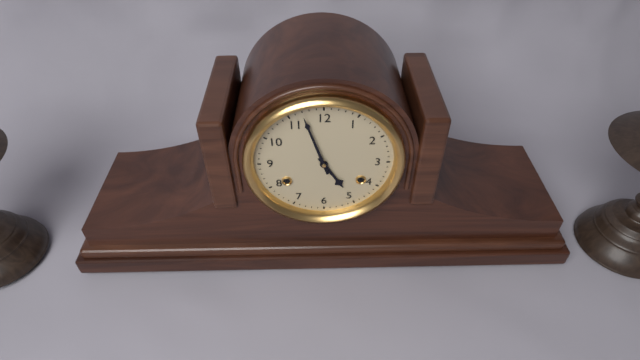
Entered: 4,57
